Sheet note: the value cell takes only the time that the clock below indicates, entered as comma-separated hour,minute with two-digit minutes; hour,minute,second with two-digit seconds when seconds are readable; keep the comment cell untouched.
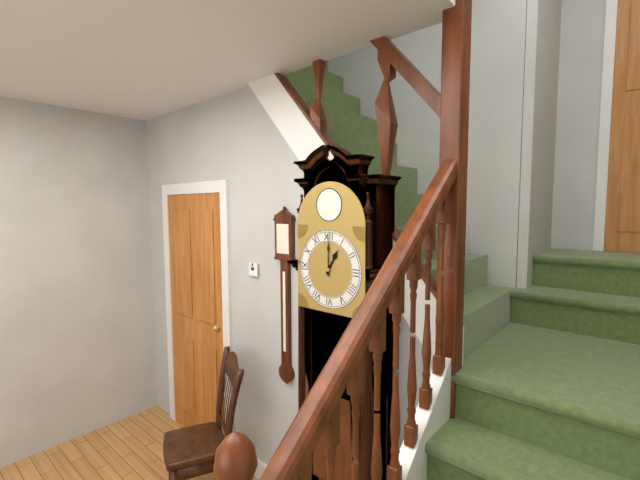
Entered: 1,00
